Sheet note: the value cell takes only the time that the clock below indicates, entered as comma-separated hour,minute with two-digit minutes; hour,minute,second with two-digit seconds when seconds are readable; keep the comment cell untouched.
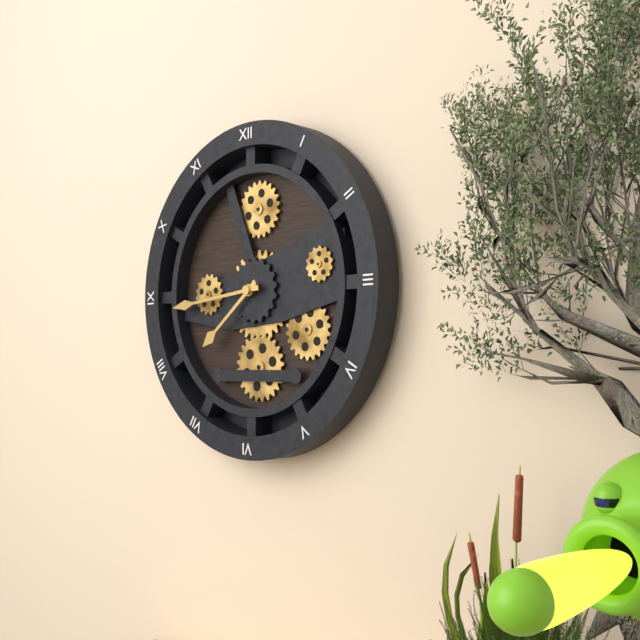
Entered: 7,44
